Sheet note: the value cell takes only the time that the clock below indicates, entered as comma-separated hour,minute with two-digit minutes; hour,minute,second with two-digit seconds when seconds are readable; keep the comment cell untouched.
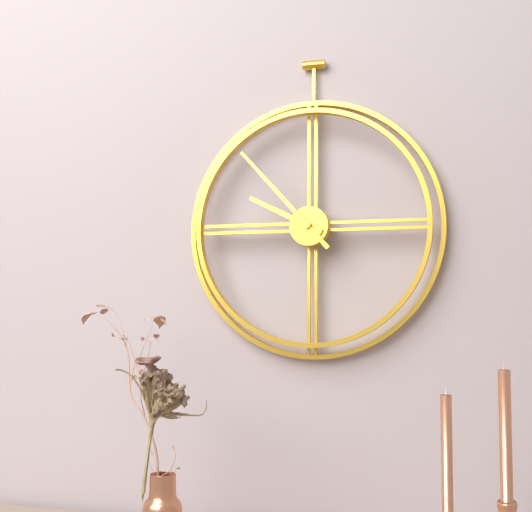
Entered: 9,53
